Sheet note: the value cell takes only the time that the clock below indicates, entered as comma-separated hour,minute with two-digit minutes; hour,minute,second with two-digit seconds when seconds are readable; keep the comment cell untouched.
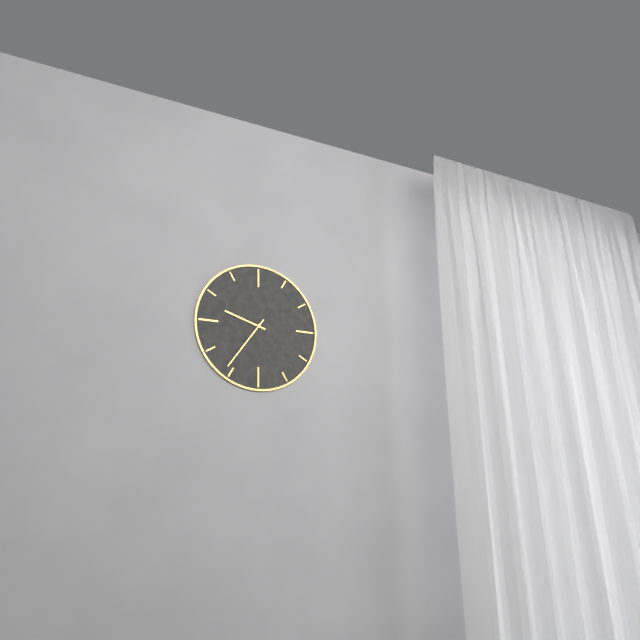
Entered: 9,36
